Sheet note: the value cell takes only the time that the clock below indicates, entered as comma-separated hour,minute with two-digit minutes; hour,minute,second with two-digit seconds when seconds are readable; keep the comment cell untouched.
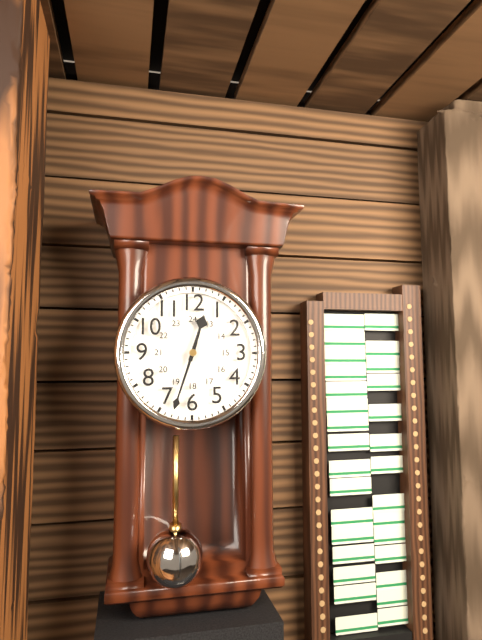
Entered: 12,33
